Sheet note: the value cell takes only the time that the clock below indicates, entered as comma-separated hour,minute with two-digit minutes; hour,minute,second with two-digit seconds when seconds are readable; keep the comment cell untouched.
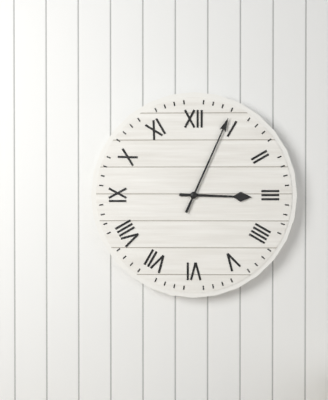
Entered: 3,04
